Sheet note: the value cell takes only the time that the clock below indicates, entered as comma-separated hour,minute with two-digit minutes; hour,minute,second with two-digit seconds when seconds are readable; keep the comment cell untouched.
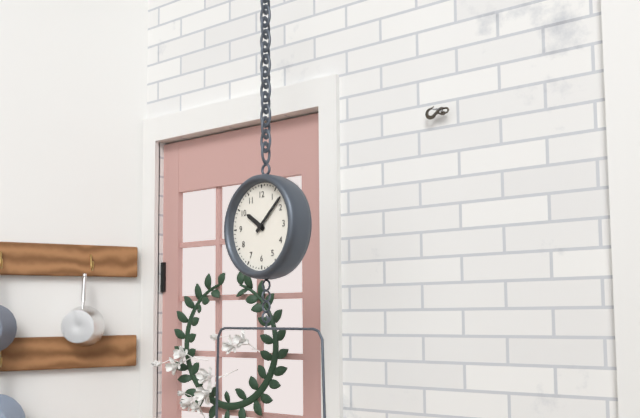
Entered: 10,08
